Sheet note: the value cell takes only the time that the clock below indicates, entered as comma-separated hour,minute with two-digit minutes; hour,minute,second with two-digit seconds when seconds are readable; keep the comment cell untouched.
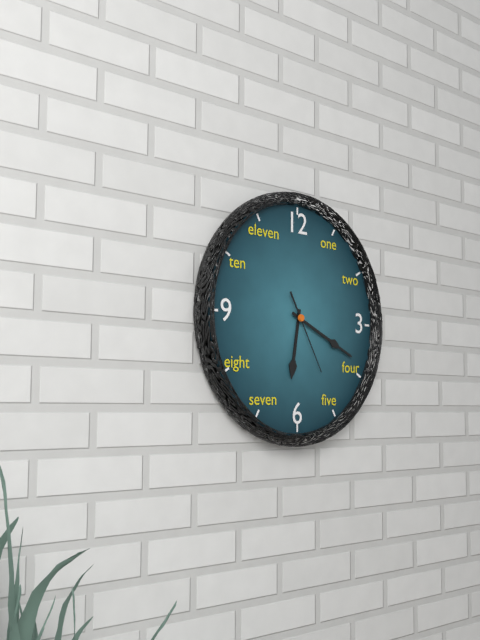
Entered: 6,19,25
